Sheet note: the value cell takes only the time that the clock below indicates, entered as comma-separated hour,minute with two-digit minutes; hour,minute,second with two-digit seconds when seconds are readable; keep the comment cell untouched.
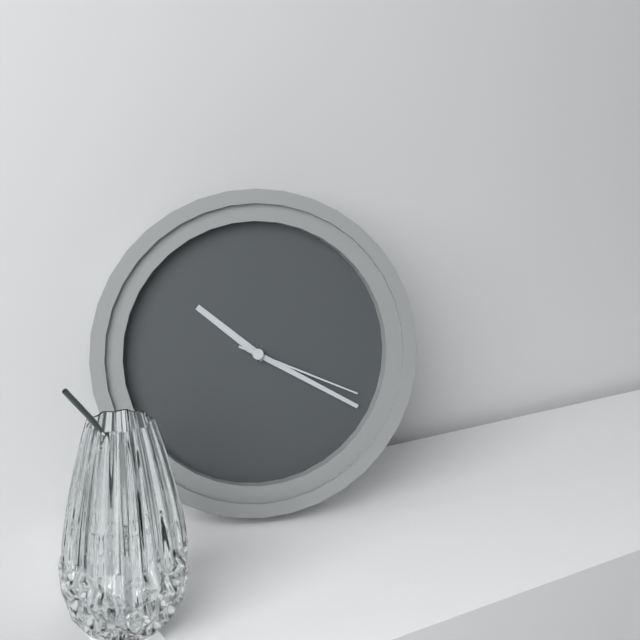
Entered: 10,20,19
